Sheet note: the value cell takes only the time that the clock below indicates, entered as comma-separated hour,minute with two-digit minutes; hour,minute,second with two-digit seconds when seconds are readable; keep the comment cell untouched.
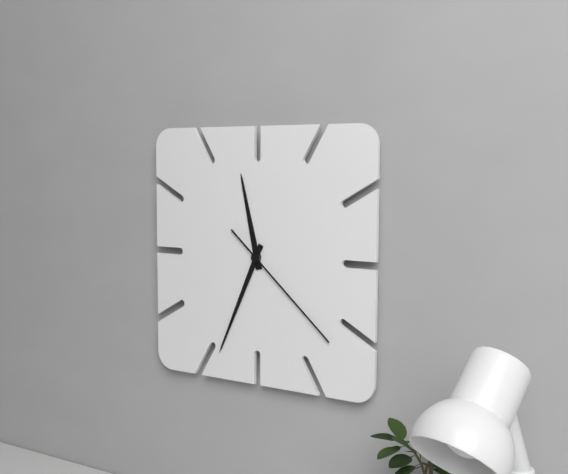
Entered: 11,34,22
